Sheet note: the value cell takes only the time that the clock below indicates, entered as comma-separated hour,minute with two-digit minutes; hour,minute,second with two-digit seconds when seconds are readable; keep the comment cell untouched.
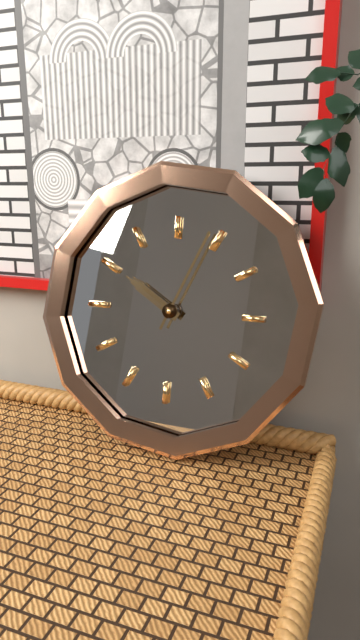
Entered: 10,04
